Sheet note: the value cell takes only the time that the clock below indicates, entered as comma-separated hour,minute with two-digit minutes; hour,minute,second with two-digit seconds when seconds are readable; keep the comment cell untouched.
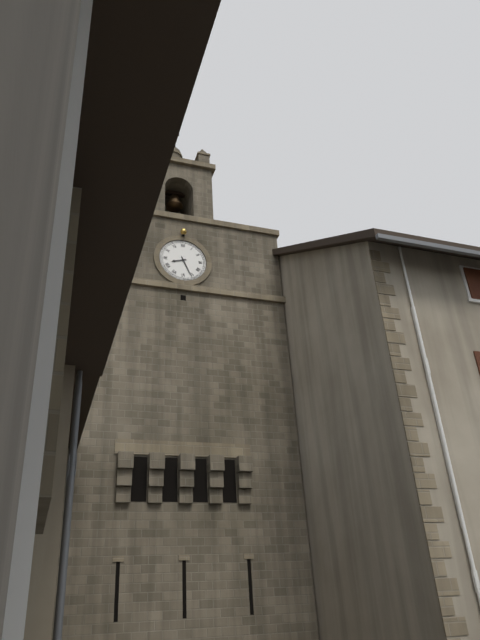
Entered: 8,26
